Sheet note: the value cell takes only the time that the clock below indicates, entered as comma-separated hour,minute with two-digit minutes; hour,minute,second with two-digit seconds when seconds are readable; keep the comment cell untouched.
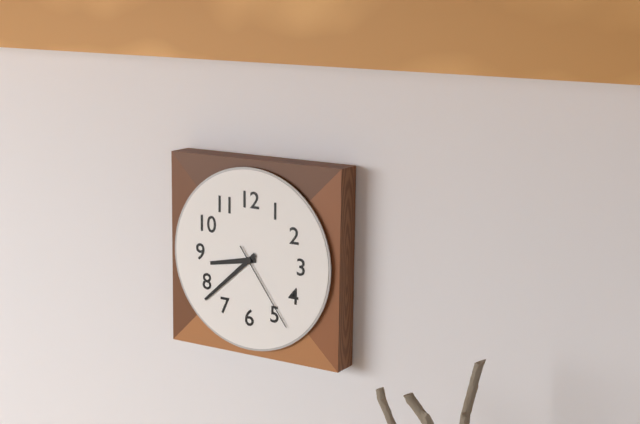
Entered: 8,38,24
